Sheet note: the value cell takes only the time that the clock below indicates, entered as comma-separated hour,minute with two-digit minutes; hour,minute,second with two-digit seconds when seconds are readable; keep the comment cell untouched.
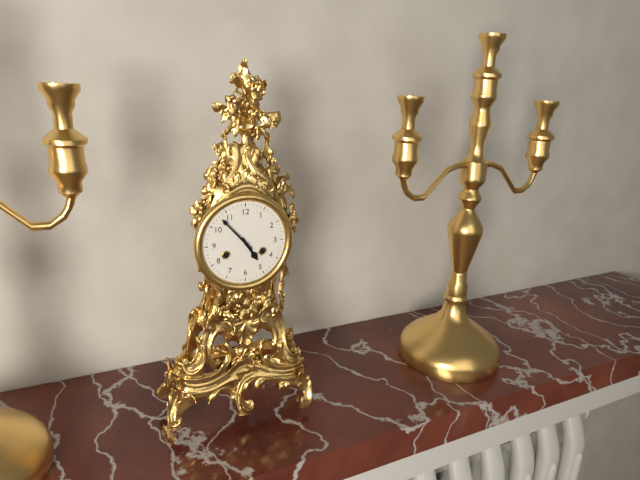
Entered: 4,53
